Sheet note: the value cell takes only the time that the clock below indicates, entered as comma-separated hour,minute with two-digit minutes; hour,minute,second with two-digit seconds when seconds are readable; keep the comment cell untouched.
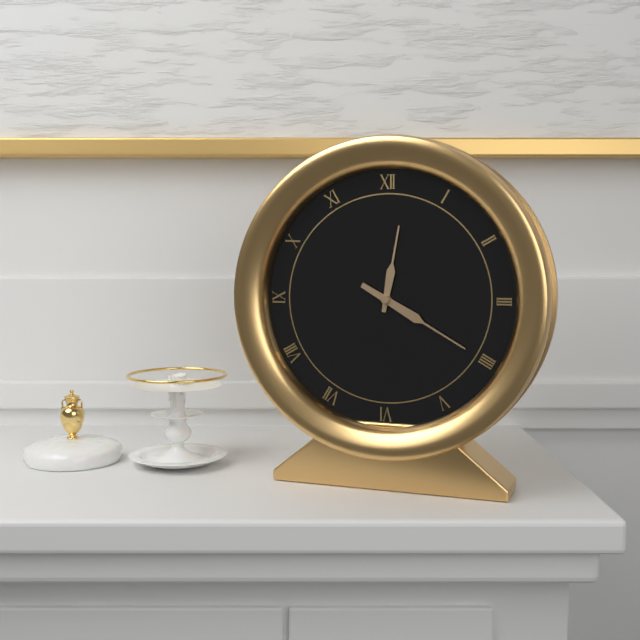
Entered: 12,20
